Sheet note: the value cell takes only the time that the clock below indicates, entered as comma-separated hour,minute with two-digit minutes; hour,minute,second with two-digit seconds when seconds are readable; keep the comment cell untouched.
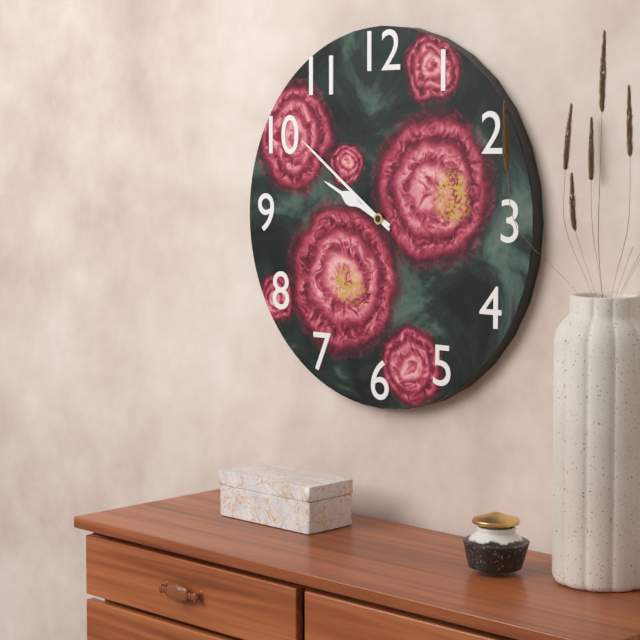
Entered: 9,51
